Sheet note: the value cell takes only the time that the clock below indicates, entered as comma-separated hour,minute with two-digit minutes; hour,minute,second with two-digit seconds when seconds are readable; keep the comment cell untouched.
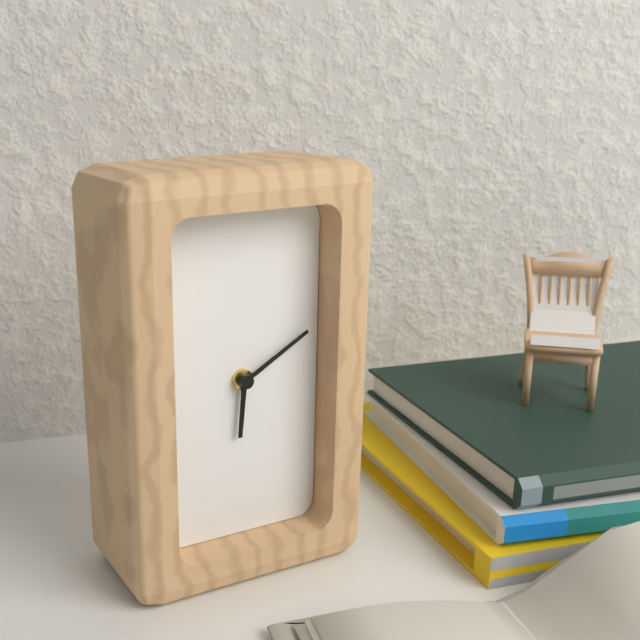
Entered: 6,10
